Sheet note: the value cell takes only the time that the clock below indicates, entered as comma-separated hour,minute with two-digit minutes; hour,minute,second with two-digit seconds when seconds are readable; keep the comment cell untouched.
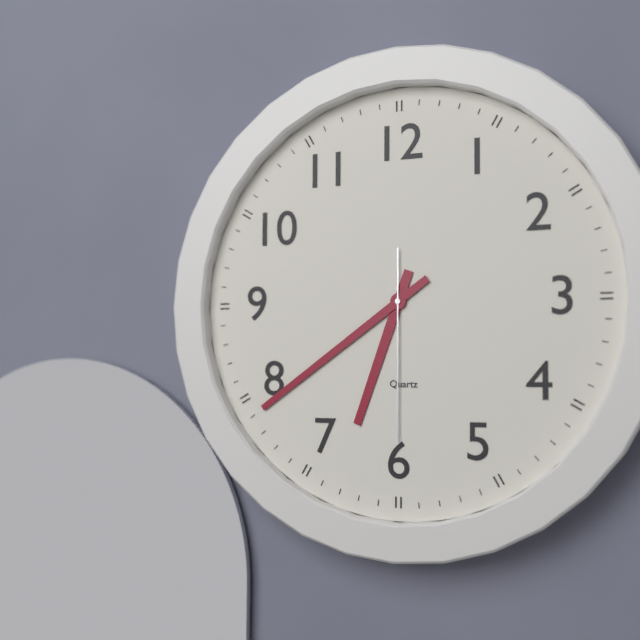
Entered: 6,39,30
